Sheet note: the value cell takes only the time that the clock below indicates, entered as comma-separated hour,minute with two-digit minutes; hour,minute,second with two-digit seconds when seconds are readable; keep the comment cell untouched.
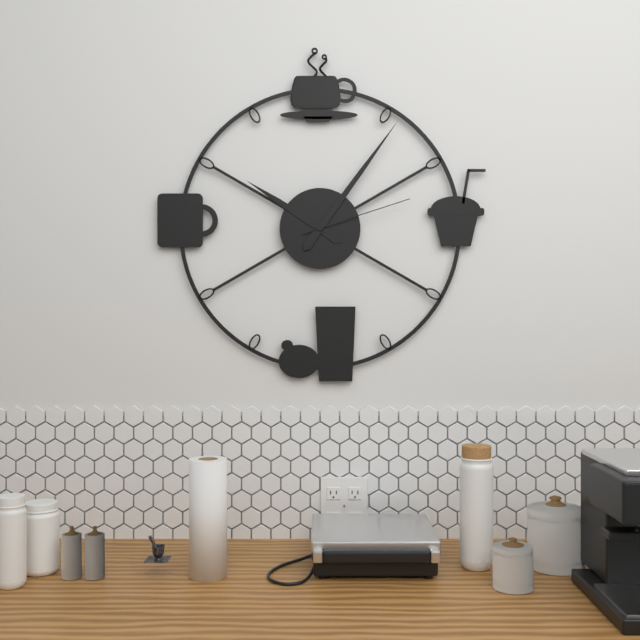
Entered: 10,06,12
